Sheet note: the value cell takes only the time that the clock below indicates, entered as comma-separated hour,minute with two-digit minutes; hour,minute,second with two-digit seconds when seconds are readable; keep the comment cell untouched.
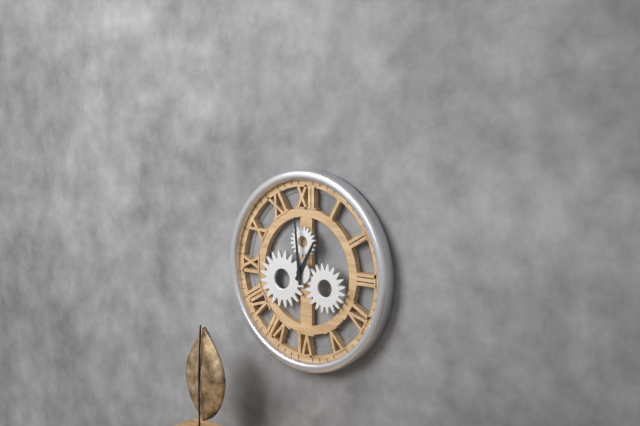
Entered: 12,59
